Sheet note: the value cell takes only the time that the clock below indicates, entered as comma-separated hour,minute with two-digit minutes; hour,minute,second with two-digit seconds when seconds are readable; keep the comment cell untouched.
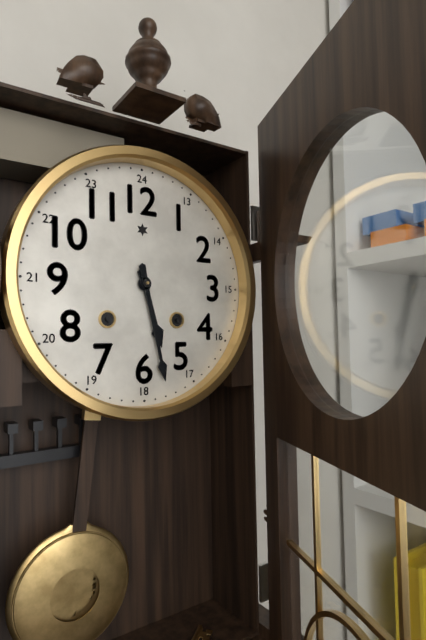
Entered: 5,28
